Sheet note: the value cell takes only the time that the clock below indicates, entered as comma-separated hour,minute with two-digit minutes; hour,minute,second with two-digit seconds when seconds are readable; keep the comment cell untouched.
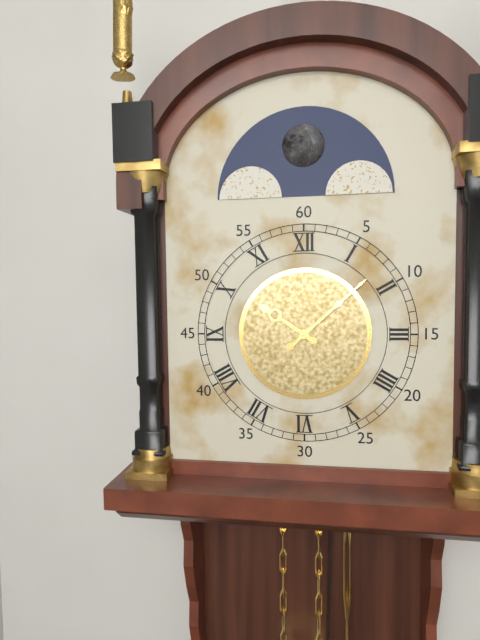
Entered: 10,08
